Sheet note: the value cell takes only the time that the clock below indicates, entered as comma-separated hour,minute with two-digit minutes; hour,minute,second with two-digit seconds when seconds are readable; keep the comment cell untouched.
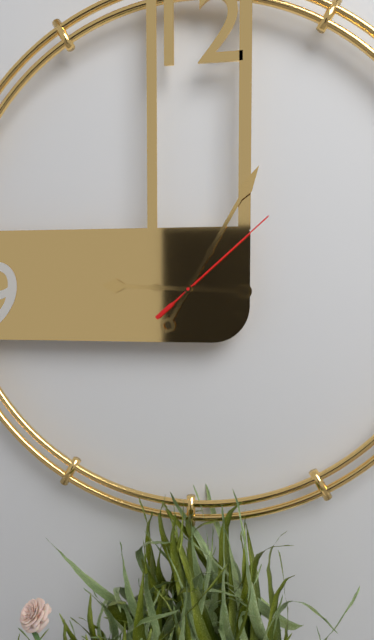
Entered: 9,05,08
